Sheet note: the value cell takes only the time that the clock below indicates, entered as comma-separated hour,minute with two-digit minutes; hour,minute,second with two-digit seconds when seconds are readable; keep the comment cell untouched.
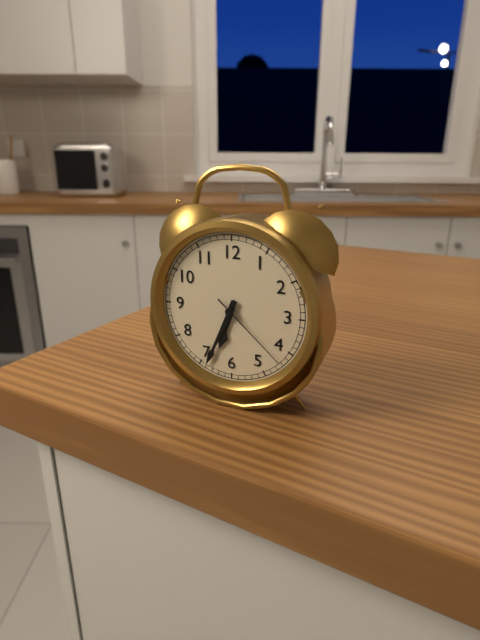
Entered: 6,34,22
